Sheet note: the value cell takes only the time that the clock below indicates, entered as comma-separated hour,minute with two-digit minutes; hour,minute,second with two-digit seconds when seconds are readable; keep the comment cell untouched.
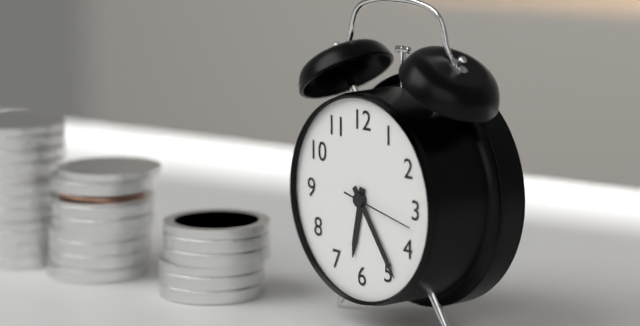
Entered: 6,24,17
